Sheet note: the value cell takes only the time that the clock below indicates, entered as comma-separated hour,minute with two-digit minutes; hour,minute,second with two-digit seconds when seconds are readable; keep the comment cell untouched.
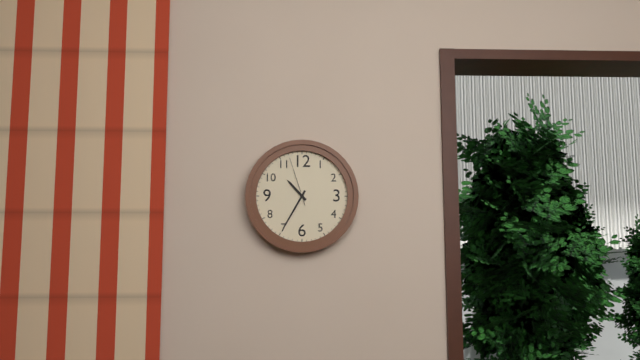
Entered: 10,35
